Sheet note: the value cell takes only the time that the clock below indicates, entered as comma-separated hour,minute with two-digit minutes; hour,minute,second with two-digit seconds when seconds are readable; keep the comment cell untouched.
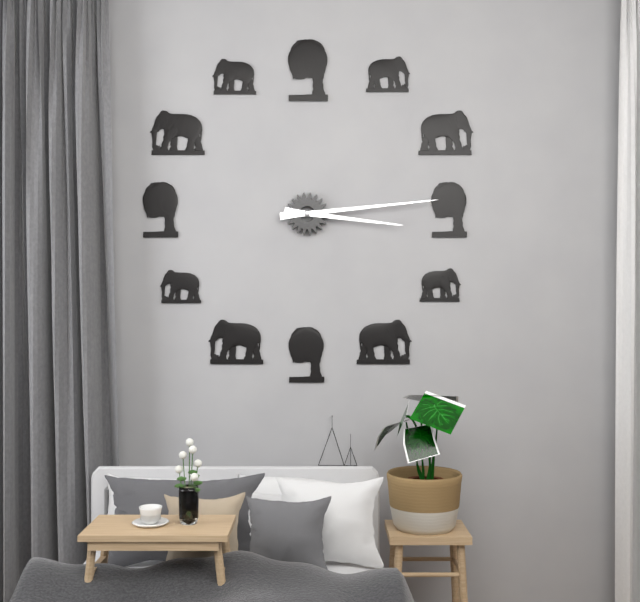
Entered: 3,14
